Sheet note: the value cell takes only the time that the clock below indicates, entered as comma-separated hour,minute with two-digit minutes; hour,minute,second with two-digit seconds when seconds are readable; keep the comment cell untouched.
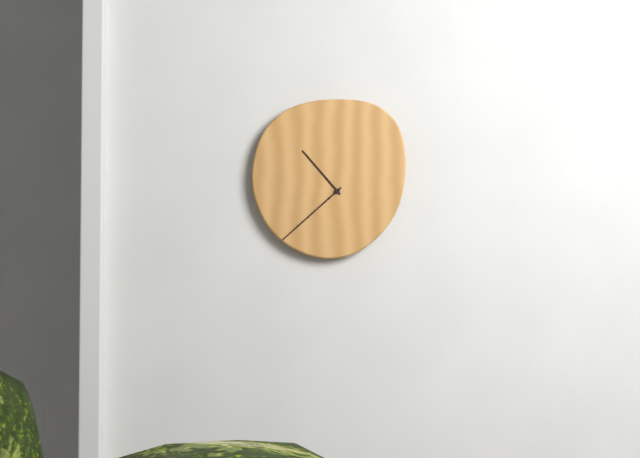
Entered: 10,38
